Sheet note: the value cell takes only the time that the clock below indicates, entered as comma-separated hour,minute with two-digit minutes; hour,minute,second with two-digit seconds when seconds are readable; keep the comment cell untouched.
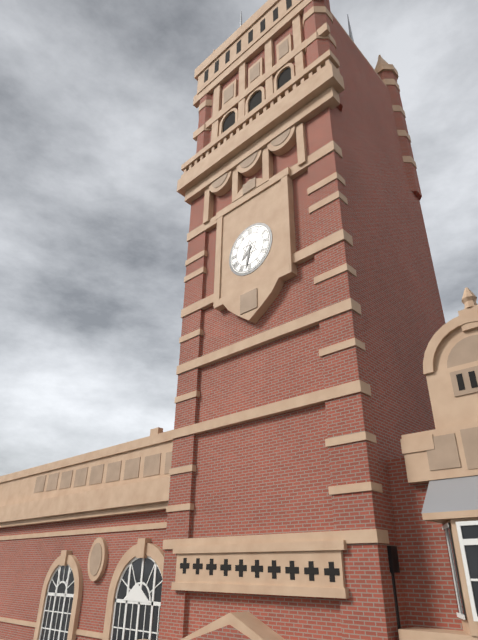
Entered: 7,32
